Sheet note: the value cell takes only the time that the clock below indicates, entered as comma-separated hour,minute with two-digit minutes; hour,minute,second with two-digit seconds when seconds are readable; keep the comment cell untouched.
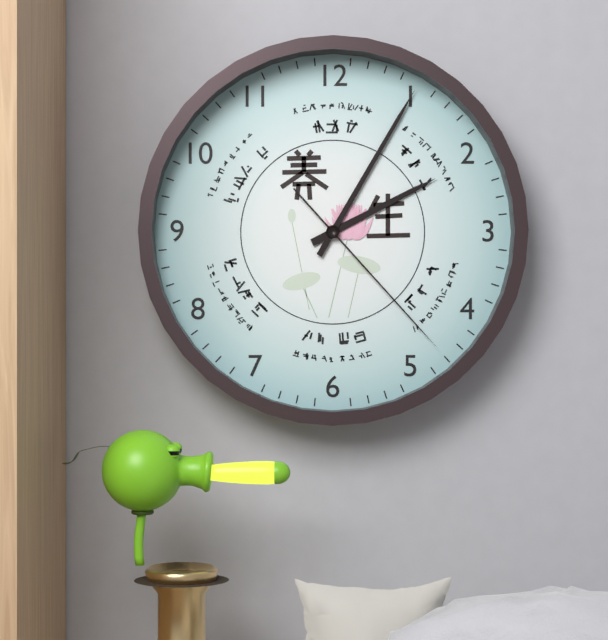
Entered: 2,05,23
